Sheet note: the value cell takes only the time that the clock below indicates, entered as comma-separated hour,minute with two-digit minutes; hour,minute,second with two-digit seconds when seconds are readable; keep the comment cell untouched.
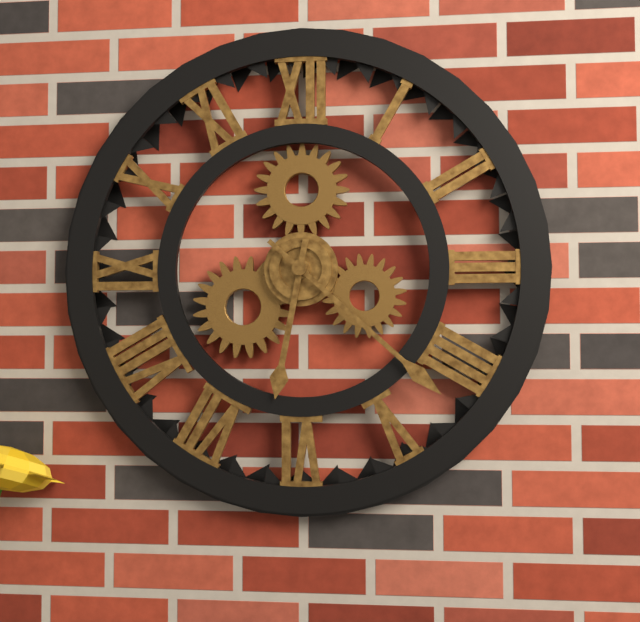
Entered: 6,22
